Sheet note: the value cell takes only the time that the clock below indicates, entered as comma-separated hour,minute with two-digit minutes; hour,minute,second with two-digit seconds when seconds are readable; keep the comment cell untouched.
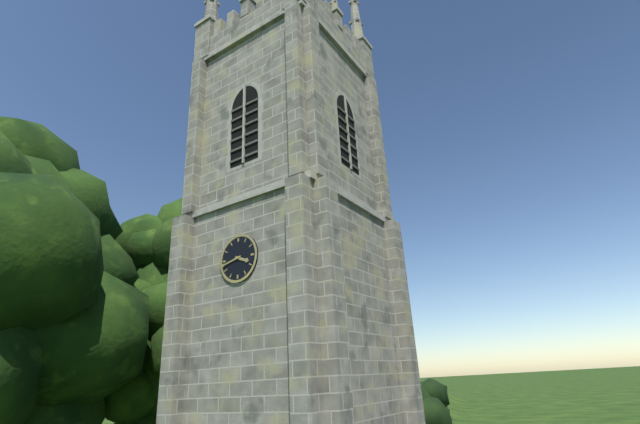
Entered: 3,43
